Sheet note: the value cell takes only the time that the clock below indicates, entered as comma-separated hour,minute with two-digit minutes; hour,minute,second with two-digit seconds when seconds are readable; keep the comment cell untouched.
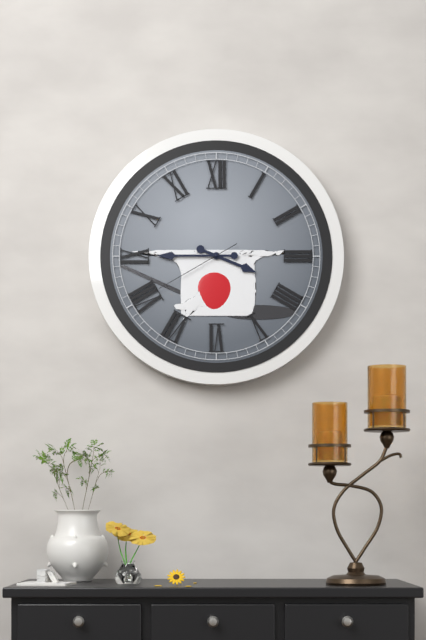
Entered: 3,45,40
